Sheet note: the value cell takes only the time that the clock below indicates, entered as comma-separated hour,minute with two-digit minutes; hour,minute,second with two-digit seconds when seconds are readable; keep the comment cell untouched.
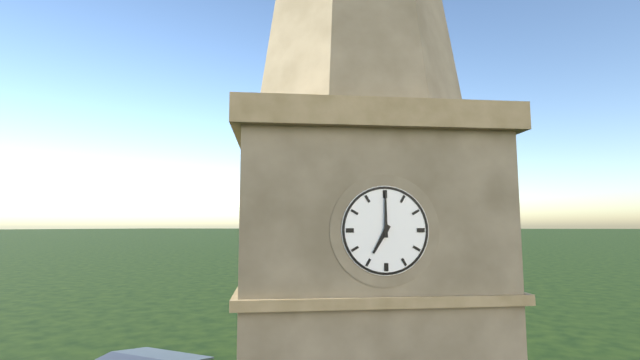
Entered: 7,00
